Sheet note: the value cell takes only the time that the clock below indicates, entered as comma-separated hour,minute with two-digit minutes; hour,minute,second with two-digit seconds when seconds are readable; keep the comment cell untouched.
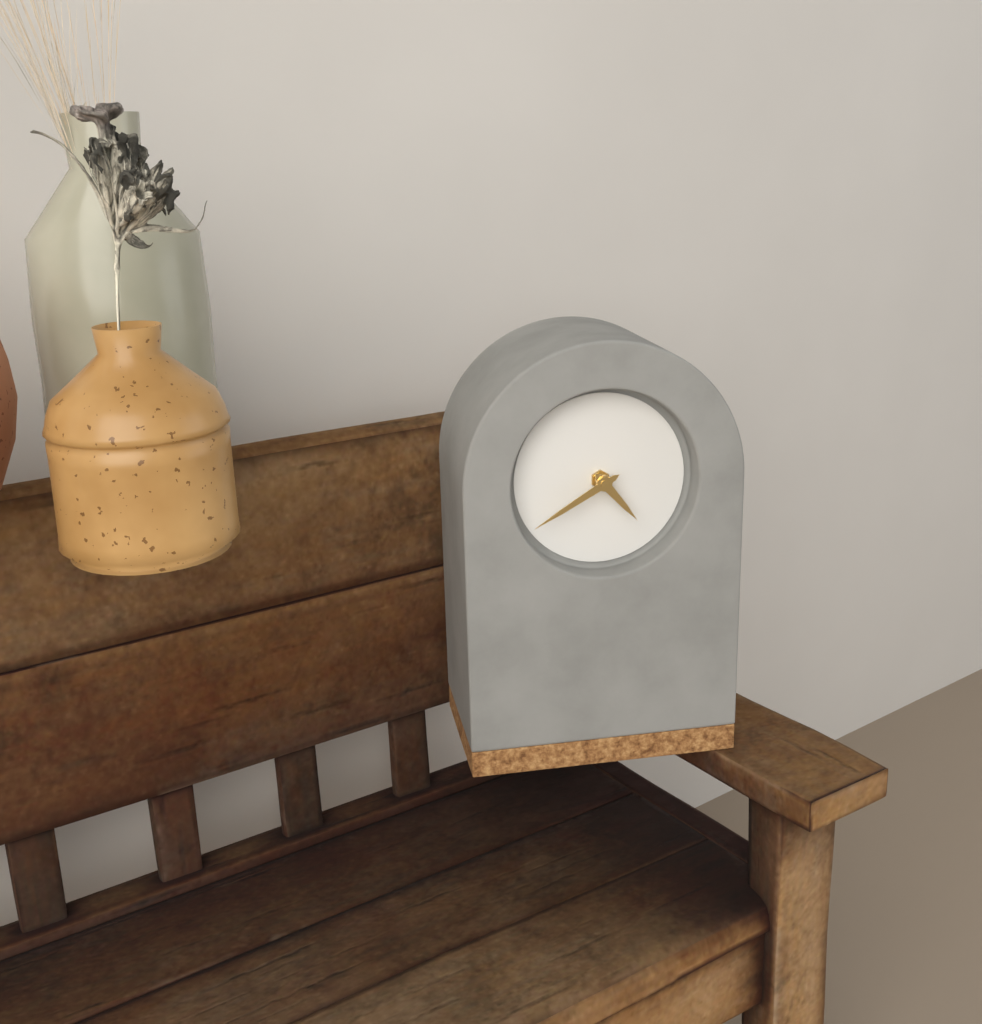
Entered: 4,40
